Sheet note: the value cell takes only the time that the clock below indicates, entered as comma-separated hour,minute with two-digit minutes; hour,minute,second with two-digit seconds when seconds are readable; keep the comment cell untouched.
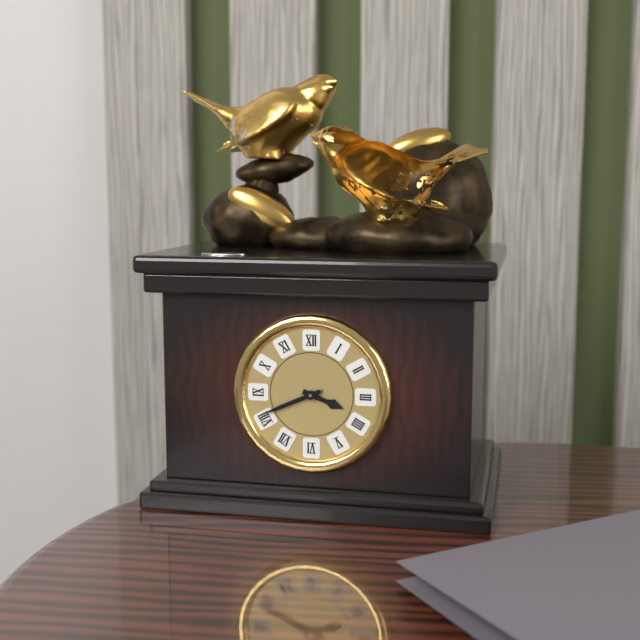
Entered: 3,41,41
